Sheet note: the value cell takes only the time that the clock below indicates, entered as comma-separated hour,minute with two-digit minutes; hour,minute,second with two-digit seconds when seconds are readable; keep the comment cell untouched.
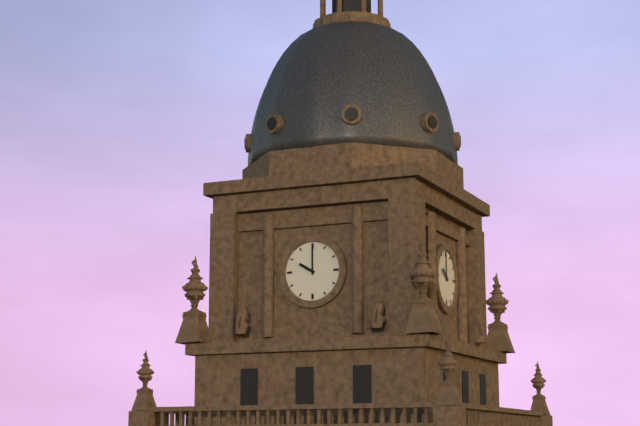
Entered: 10,00
